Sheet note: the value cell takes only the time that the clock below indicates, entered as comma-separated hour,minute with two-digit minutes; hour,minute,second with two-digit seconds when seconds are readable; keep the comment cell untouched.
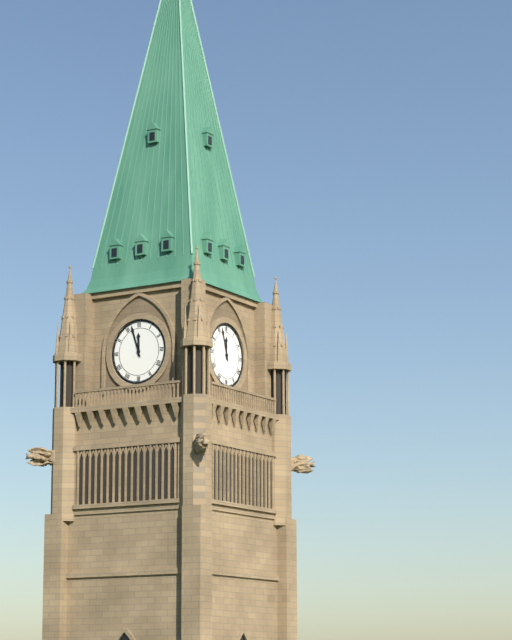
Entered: 11,57
